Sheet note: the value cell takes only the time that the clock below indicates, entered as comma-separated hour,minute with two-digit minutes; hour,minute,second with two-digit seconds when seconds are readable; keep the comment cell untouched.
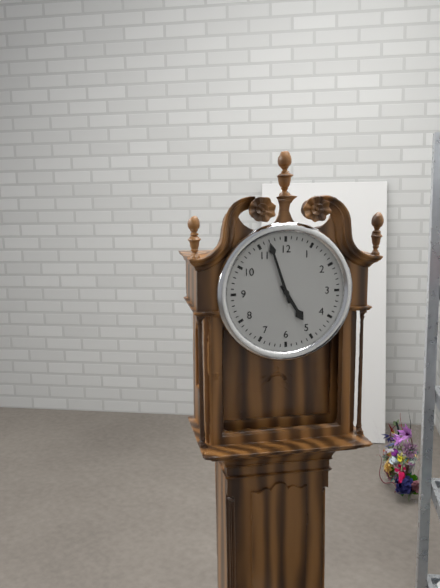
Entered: 4,57
